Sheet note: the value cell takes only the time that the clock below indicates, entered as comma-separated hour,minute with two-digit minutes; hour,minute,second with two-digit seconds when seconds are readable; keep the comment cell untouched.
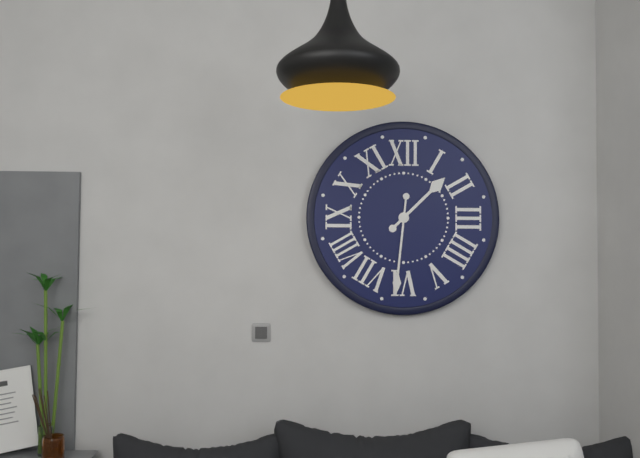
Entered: 1,31
